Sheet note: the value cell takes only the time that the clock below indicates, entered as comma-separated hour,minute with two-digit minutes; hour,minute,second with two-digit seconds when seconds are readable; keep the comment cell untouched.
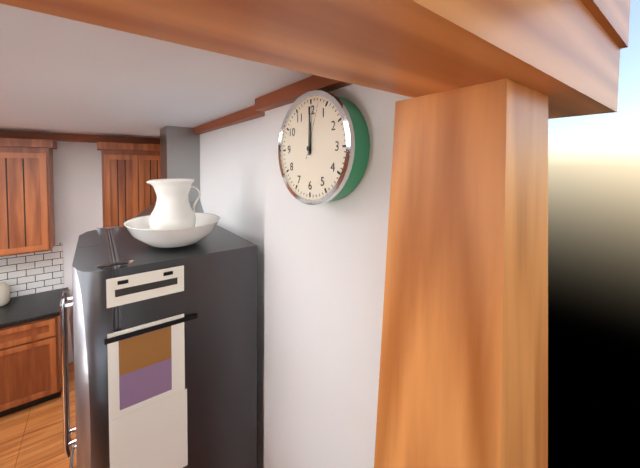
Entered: 12,00,03
